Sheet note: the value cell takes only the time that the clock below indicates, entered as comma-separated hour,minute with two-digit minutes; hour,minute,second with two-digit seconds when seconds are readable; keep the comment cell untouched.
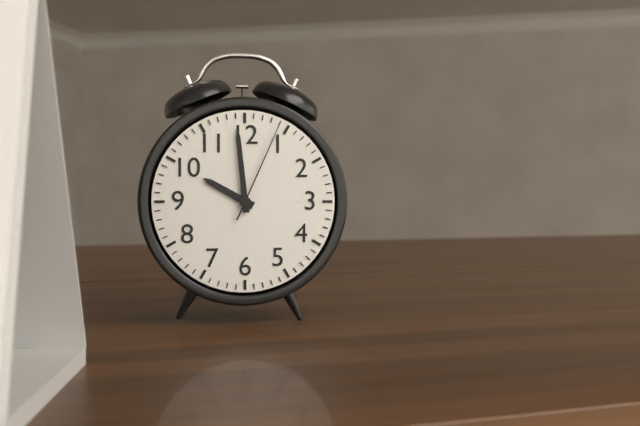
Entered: 9,59,04
